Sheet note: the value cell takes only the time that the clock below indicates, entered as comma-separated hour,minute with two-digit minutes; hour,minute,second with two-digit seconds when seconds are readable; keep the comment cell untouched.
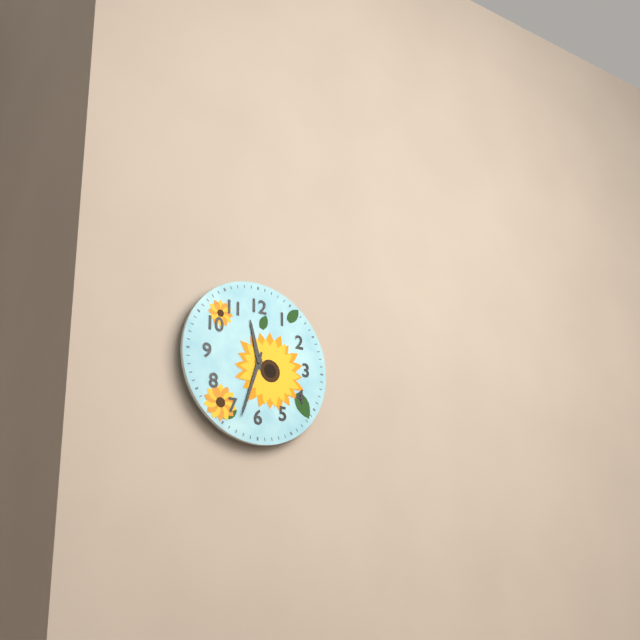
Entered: 11,33
